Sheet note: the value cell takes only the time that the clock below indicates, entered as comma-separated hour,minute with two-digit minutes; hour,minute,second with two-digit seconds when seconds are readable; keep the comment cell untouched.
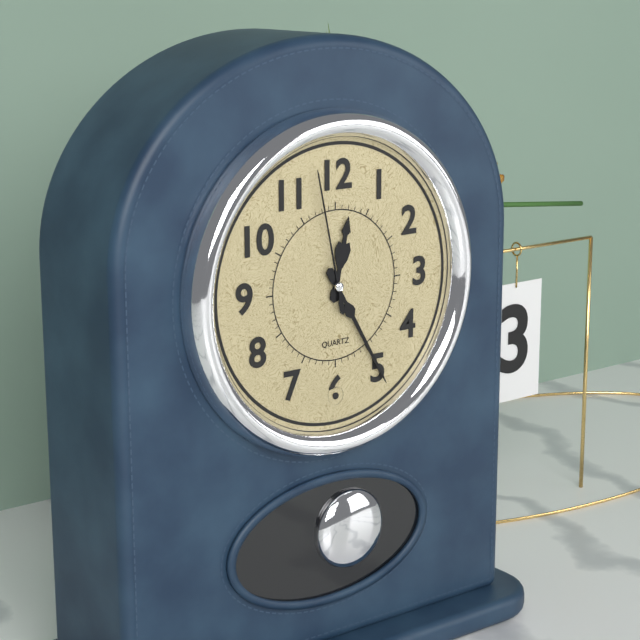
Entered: 12,25,58
